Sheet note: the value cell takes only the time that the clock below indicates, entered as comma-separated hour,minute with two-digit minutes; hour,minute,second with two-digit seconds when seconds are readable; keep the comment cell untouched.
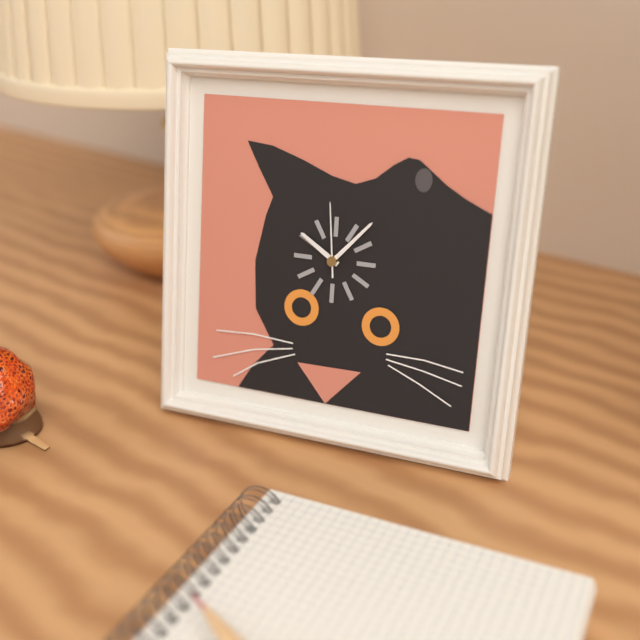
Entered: 10,07,59
